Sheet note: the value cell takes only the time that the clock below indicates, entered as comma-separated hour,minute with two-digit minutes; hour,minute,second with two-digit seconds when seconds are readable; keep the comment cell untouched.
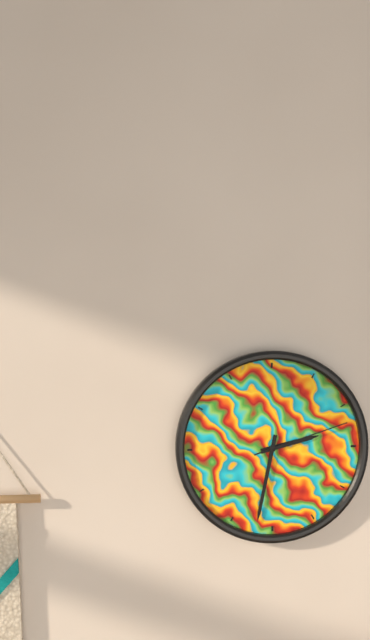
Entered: 2,32,12
